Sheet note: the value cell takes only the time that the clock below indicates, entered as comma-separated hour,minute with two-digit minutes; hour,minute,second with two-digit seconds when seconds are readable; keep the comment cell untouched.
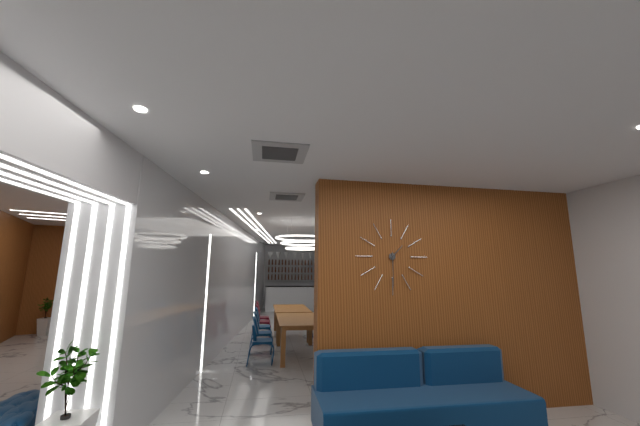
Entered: 1,30
